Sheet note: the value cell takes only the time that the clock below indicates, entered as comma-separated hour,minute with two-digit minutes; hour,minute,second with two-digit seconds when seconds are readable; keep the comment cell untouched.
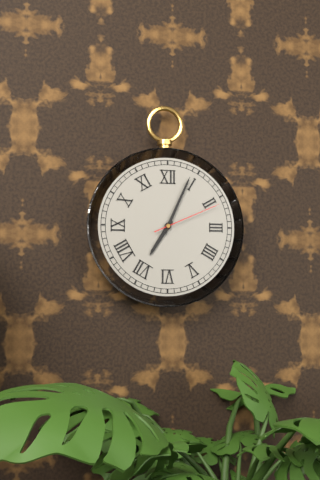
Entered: 7,04,11
